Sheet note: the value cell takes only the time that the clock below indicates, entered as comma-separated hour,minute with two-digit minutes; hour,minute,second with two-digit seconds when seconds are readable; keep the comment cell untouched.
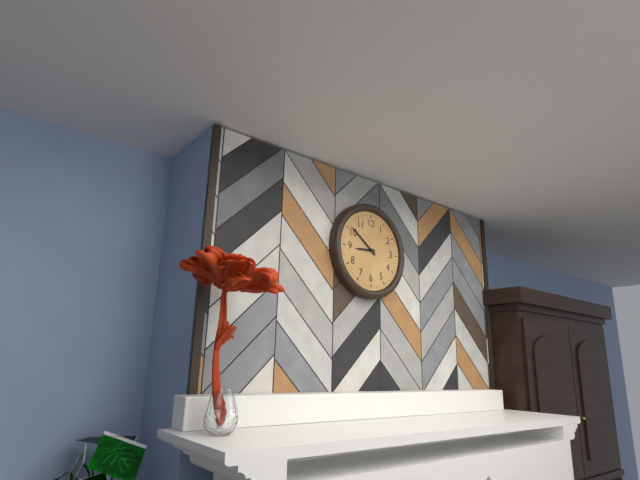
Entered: 8,51
